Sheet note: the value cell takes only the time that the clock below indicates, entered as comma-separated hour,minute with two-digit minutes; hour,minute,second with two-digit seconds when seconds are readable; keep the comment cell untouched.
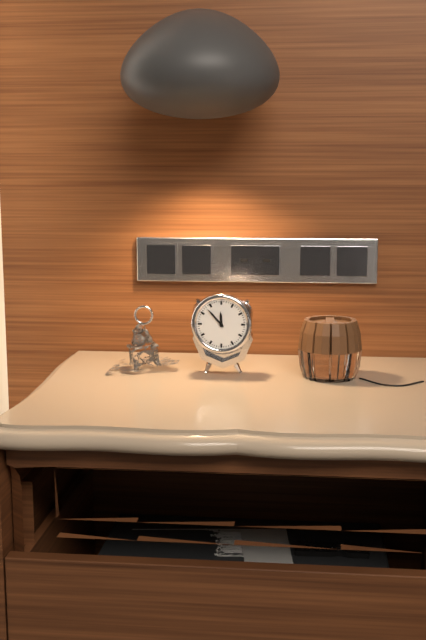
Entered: 11,53
